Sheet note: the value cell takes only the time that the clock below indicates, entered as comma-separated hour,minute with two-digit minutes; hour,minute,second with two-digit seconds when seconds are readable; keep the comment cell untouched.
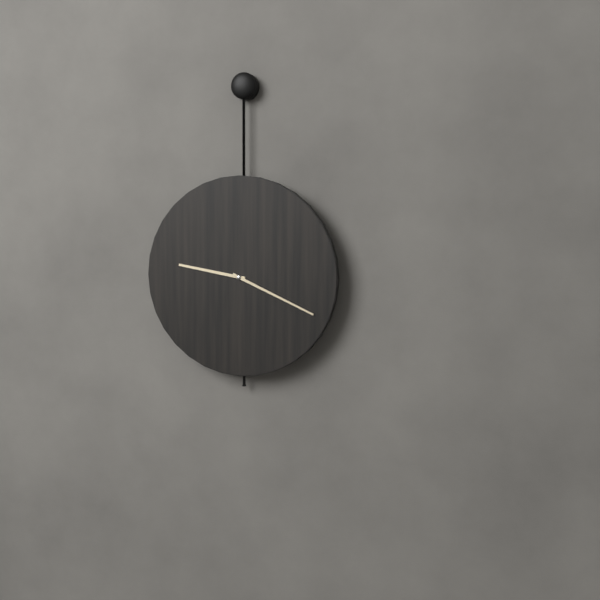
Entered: 9,19
